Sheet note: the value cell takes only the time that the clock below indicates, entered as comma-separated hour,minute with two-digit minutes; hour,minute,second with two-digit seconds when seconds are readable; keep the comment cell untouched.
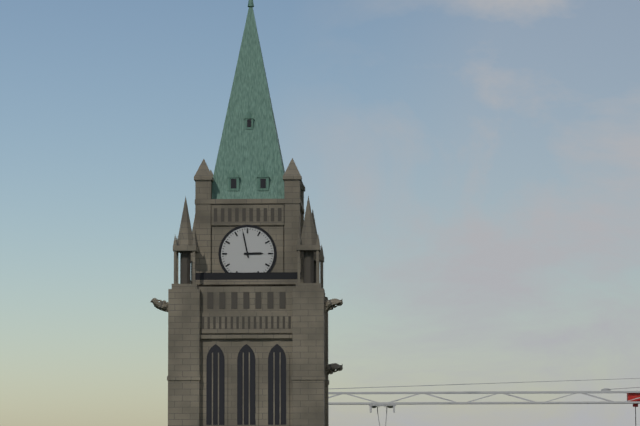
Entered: 2,58
